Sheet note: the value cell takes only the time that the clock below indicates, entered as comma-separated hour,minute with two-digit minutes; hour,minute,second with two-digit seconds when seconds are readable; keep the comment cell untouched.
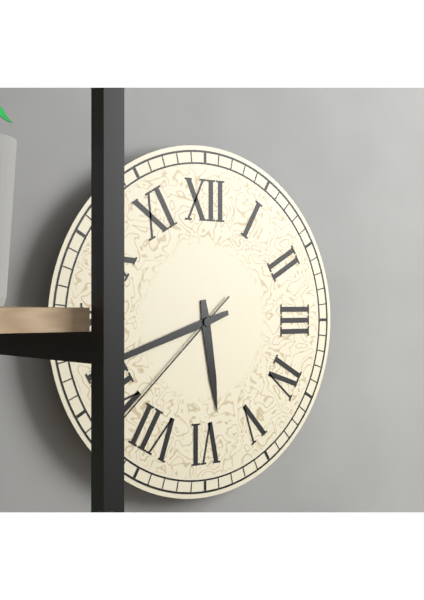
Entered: 5,42,38
